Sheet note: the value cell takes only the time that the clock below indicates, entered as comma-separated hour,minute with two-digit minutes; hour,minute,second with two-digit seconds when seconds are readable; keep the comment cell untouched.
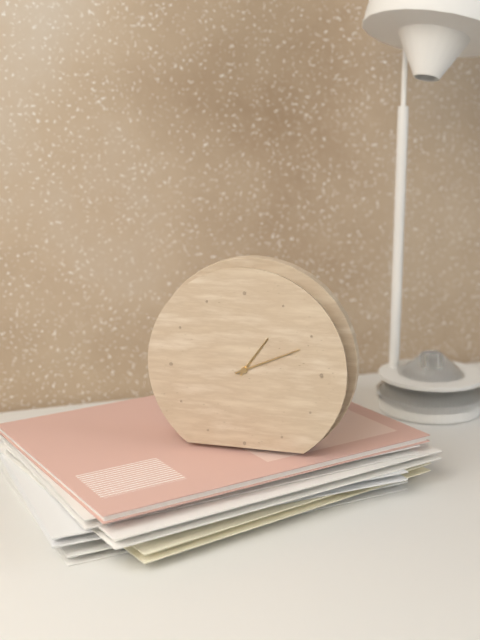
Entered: 1,11
